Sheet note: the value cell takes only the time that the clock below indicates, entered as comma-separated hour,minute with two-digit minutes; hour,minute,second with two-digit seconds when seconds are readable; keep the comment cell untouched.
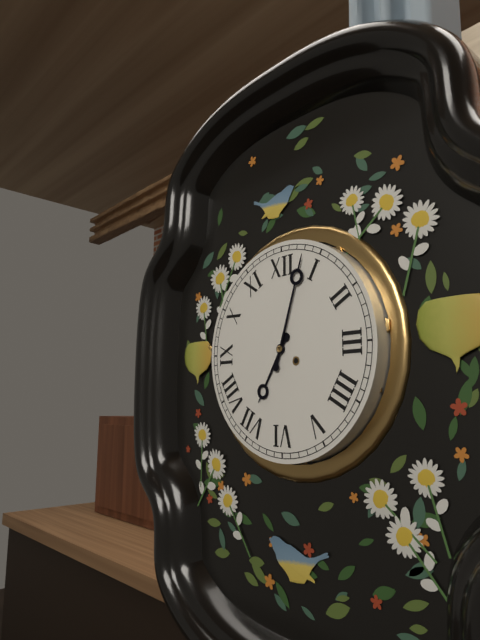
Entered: 7,03
